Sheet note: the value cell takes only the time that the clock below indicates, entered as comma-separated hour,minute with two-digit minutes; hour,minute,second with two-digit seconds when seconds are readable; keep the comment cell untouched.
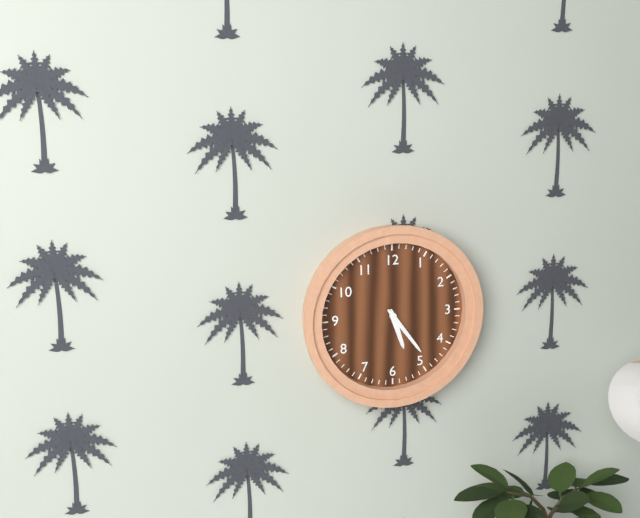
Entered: 5,24
